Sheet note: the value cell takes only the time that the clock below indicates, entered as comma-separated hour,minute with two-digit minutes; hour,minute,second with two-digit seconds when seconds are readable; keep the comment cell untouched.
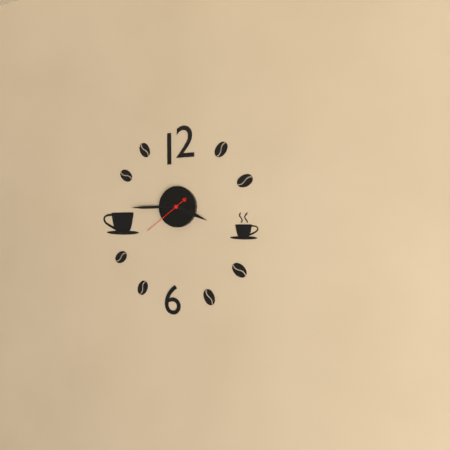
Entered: 3,45
